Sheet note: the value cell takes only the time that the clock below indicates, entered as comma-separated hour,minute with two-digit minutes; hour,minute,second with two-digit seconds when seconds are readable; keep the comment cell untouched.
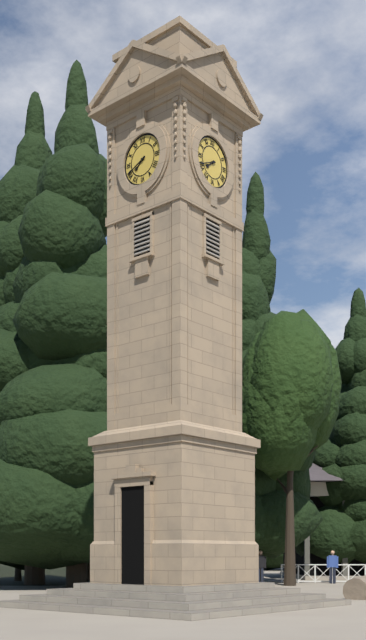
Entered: 7,41
